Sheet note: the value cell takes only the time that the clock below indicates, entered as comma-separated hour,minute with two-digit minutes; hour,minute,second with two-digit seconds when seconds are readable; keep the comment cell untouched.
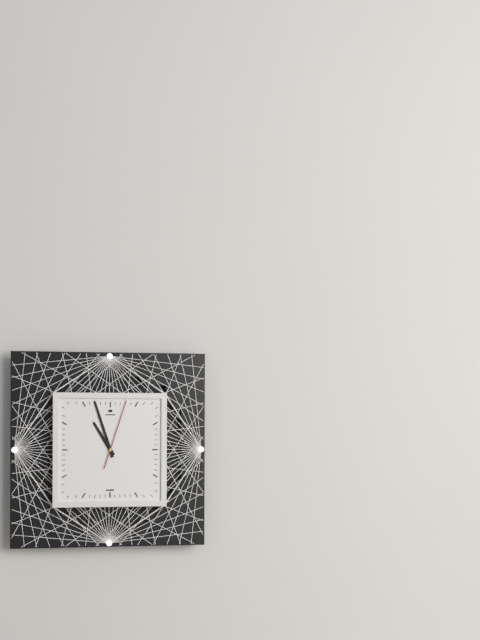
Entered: 10,57,03
